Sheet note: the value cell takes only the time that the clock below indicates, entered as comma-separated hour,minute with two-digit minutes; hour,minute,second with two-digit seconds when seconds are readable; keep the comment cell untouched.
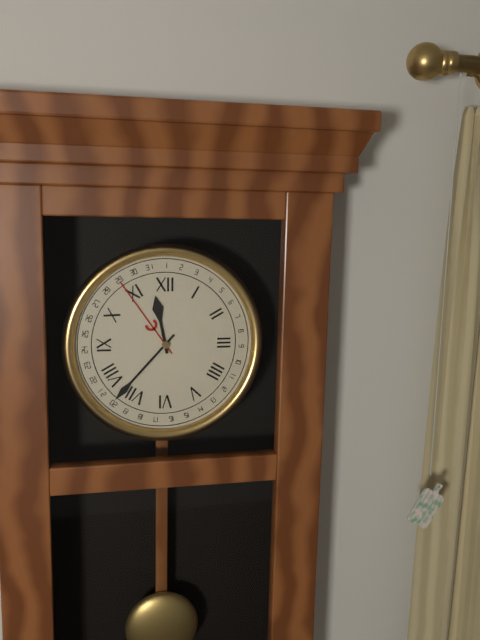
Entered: 11,37
